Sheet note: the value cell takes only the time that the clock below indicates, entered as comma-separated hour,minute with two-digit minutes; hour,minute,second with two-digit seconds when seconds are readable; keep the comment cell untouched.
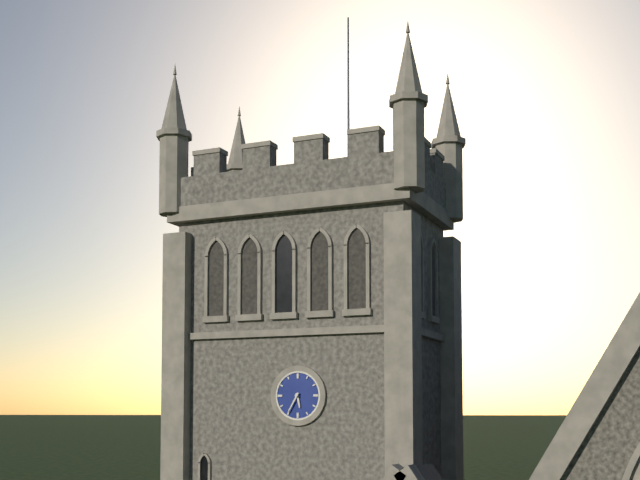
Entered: 5,35
